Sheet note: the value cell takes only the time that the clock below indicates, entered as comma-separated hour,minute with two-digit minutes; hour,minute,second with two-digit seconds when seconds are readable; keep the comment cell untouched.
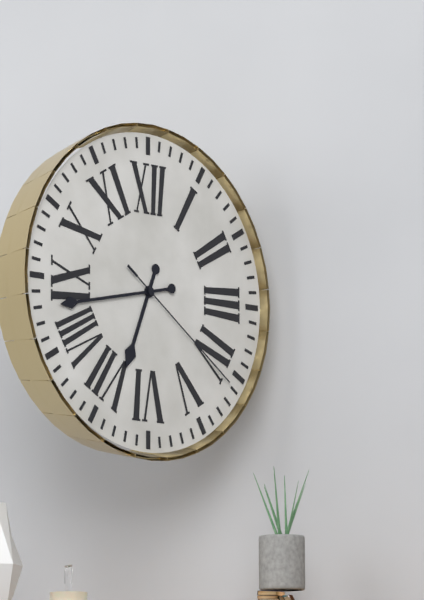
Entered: 6,43,21
